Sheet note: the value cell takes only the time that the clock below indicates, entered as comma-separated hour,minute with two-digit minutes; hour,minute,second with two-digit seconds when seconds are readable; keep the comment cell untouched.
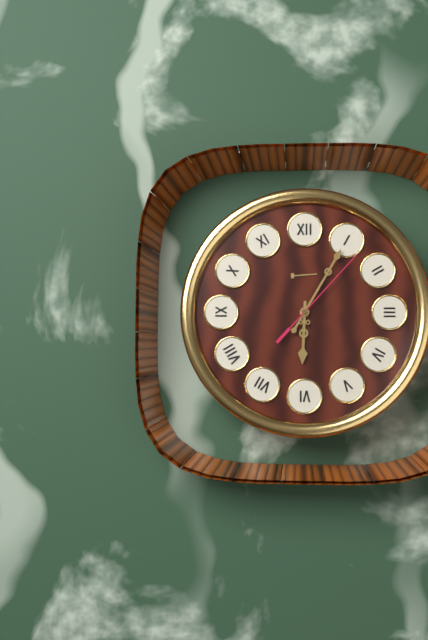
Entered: 6,05,07
